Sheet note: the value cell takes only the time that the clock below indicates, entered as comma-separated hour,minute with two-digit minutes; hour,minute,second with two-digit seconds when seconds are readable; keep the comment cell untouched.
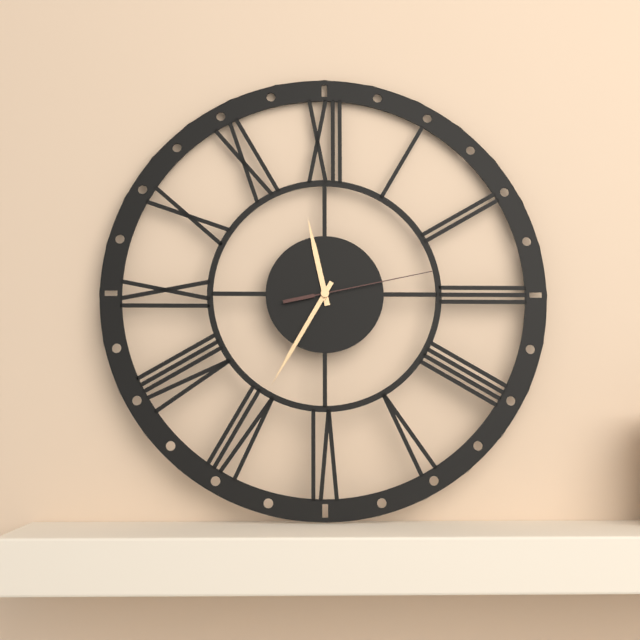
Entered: 11,35,13
